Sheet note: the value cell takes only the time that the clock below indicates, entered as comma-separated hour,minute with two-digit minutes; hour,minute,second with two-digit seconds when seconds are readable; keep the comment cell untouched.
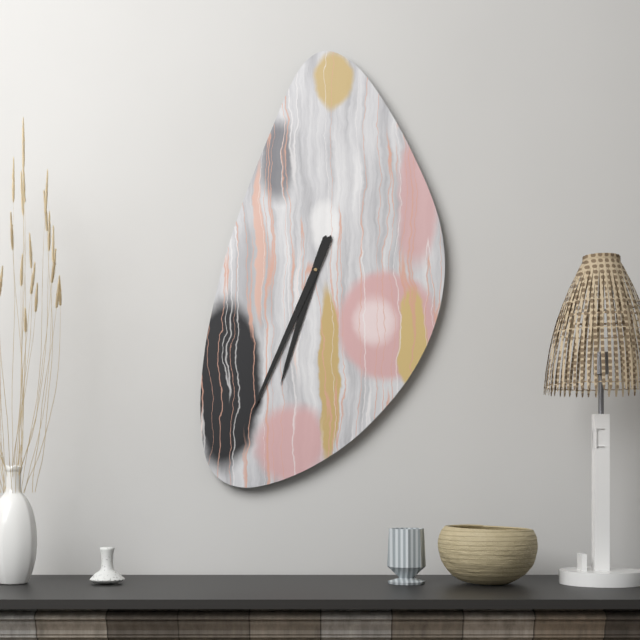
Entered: 6,34
